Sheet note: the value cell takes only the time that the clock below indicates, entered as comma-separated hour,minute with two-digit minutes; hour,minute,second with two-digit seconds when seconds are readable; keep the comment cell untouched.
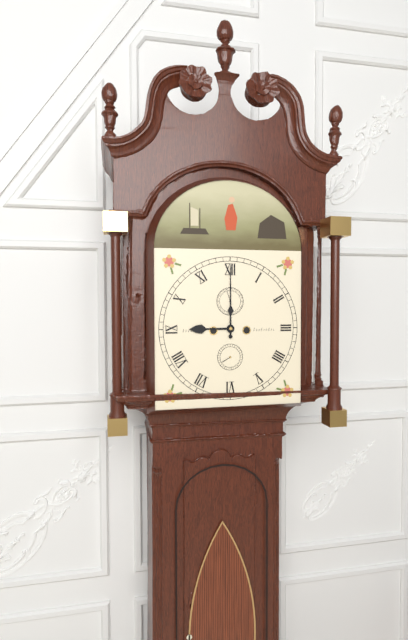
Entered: 9,00
